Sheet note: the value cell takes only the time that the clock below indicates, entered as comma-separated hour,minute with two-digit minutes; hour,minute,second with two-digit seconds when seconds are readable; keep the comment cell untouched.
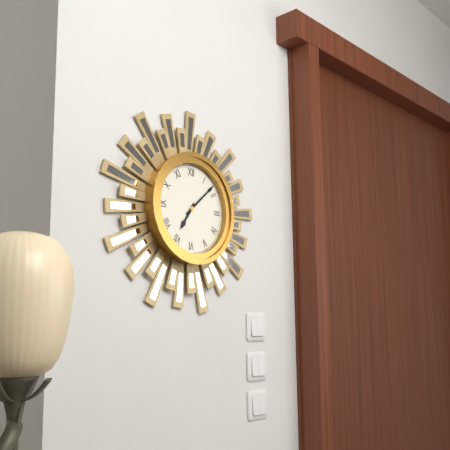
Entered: 7,08
